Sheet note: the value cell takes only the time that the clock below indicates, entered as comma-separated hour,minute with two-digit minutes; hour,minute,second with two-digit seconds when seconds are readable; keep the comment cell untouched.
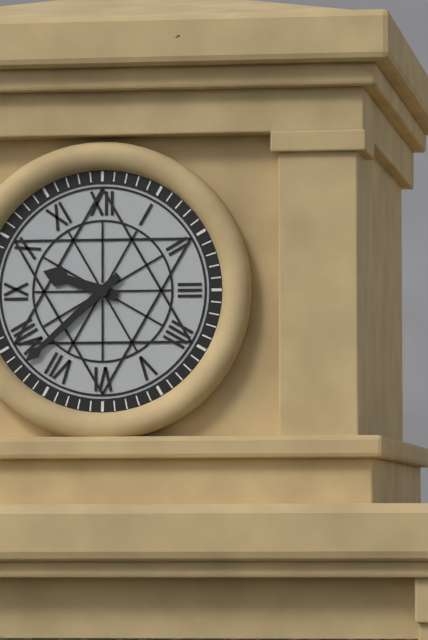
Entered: 9,38
